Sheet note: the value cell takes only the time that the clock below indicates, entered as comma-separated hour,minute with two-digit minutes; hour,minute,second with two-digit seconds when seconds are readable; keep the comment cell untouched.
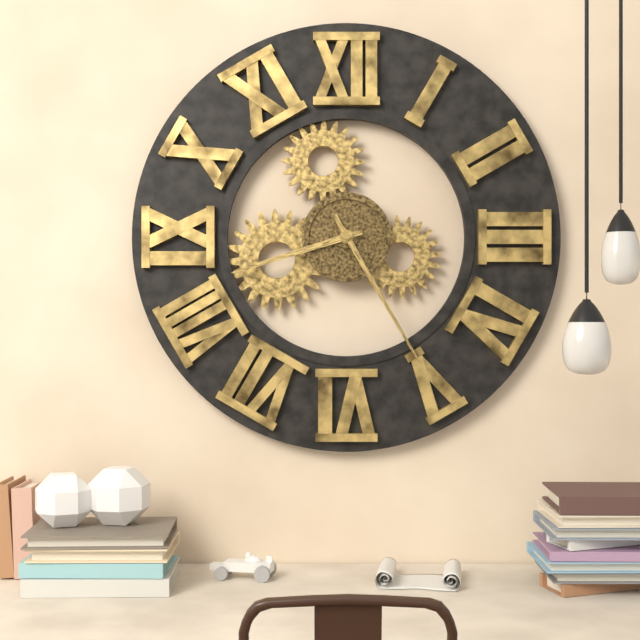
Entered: 8,25
